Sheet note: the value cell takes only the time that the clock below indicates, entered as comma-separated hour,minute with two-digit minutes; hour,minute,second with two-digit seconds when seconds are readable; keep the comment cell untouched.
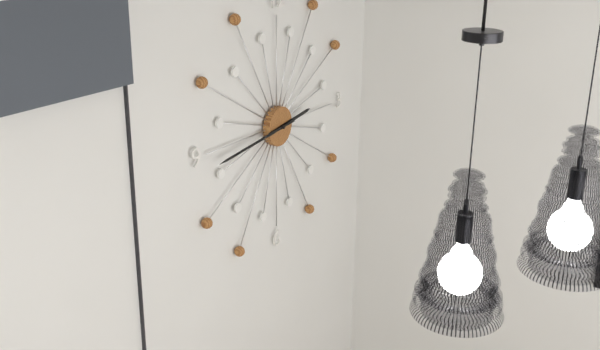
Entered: 2,44
